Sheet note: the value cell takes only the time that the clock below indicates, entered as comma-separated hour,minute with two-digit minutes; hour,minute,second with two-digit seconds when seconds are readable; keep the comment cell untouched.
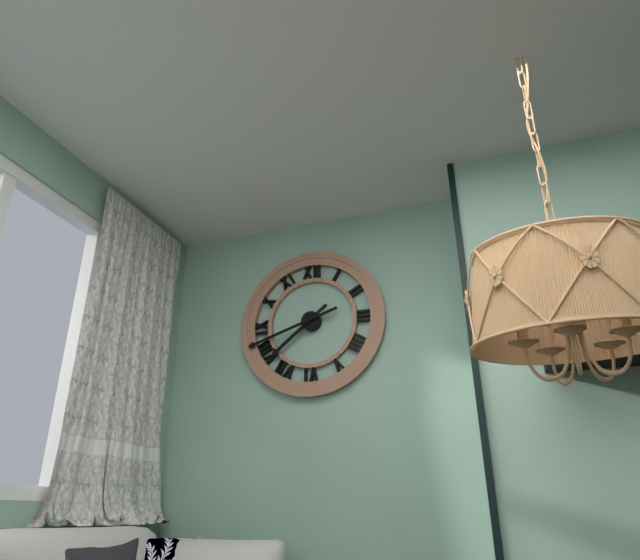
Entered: 7,42
